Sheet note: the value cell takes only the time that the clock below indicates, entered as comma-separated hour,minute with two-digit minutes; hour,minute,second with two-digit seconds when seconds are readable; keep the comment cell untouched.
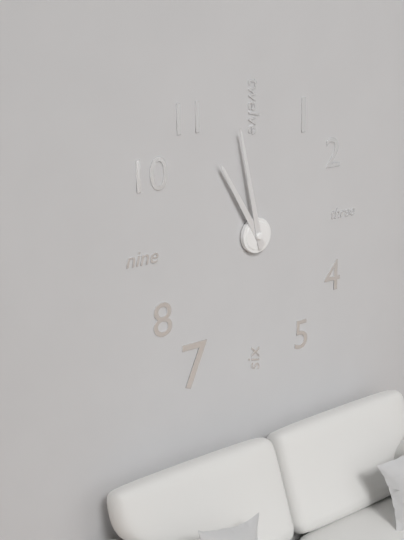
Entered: 10,58
